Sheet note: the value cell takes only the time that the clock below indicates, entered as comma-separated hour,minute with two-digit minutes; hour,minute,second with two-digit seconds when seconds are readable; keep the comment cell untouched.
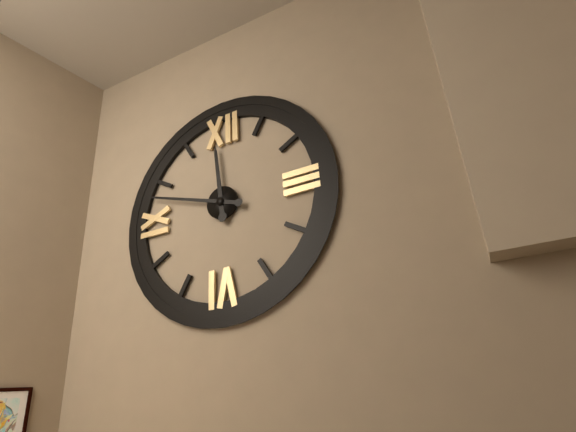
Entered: 11,48
